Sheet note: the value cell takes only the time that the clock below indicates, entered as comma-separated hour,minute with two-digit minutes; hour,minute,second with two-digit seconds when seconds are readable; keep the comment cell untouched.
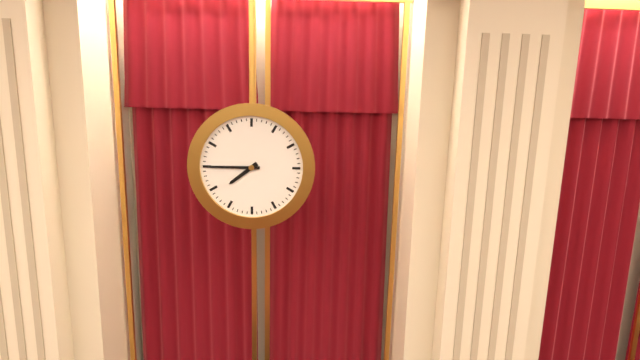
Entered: 7,45
